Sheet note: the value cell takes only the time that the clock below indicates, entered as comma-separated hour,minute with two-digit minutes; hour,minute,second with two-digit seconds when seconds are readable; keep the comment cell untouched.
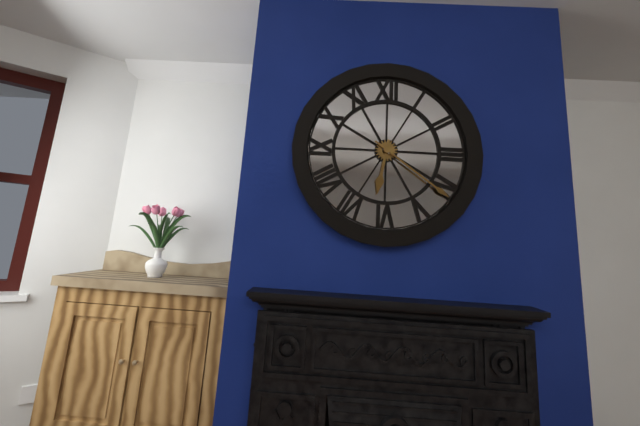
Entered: 6,21
